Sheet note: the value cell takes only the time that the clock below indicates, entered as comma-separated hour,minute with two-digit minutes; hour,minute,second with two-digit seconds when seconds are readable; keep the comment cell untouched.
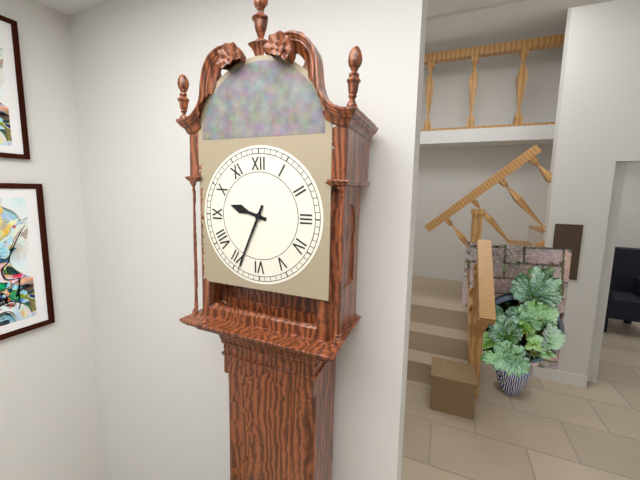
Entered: 9,34
